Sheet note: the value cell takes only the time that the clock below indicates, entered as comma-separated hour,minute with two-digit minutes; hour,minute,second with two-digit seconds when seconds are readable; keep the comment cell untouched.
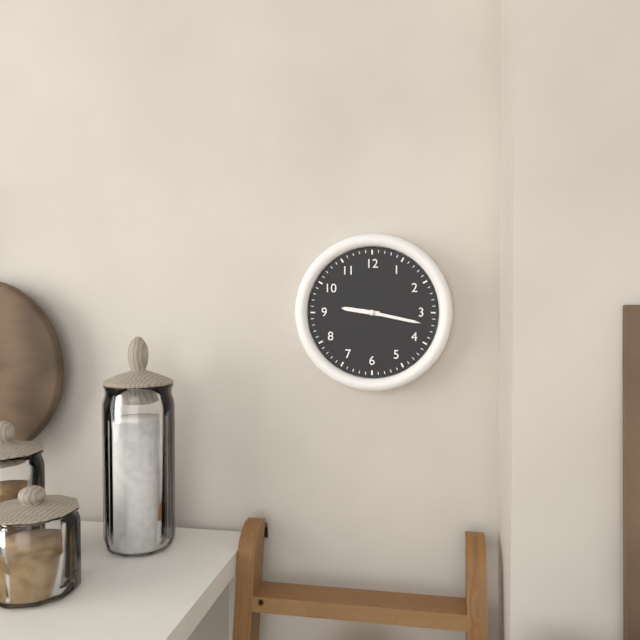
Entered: 9,17
